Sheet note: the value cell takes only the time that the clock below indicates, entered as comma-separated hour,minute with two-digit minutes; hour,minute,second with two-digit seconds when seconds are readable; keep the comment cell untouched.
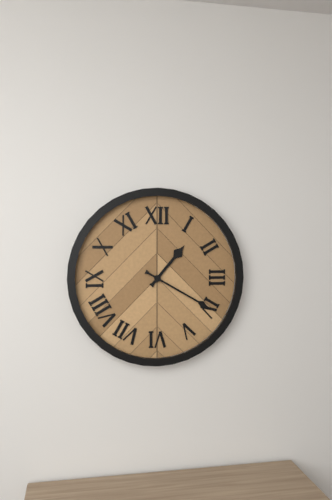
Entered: 1,20
